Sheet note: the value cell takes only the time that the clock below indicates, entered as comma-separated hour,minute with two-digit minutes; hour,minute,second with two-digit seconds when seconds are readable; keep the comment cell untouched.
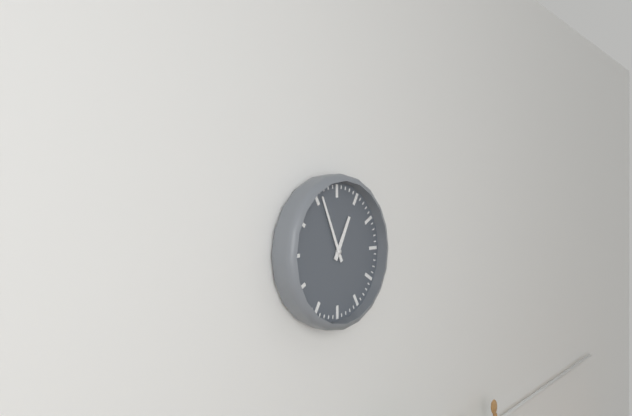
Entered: 12,56
